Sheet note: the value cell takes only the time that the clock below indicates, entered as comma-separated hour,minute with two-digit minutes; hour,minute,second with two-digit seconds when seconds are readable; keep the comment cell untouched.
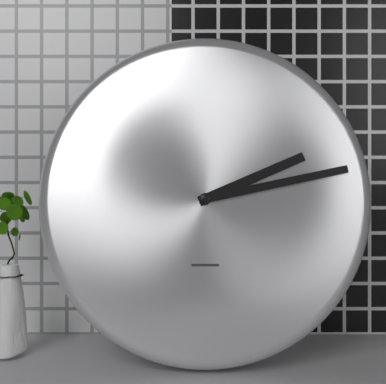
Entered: 2,13
